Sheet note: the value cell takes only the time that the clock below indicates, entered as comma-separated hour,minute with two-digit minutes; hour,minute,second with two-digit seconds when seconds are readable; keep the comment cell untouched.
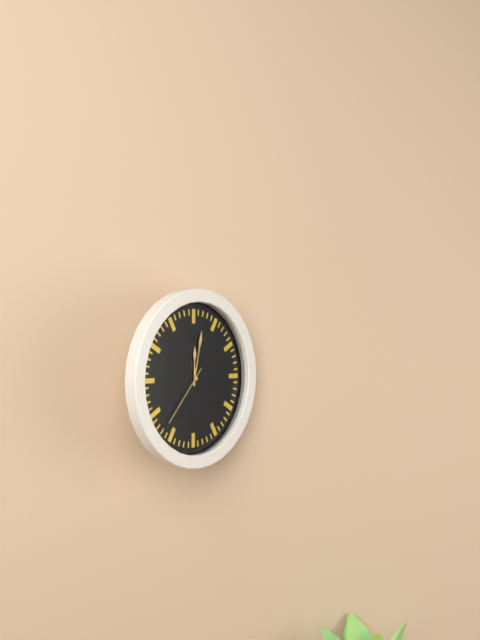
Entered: 12,02,37
